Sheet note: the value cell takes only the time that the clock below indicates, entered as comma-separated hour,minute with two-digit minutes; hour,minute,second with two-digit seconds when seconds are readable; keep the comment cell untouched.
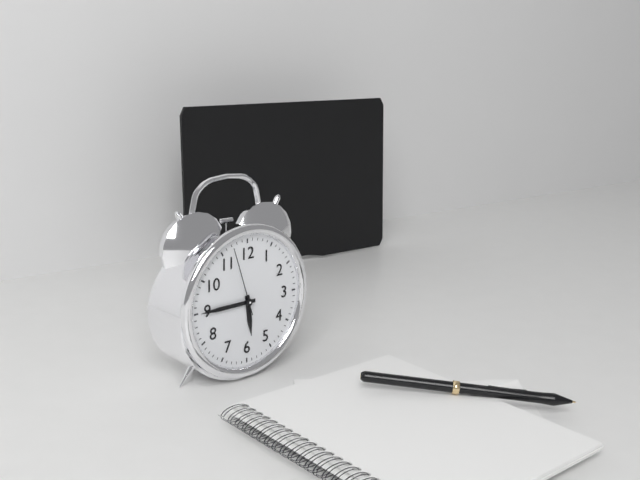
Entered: 5,45,57
